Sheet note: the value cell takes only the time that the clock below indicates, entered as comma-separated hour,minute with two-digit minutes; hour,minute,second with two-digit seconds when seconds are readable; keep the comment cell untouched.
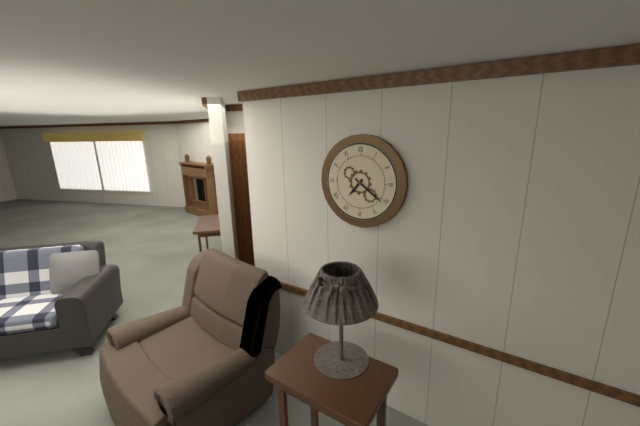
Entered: 7,21
